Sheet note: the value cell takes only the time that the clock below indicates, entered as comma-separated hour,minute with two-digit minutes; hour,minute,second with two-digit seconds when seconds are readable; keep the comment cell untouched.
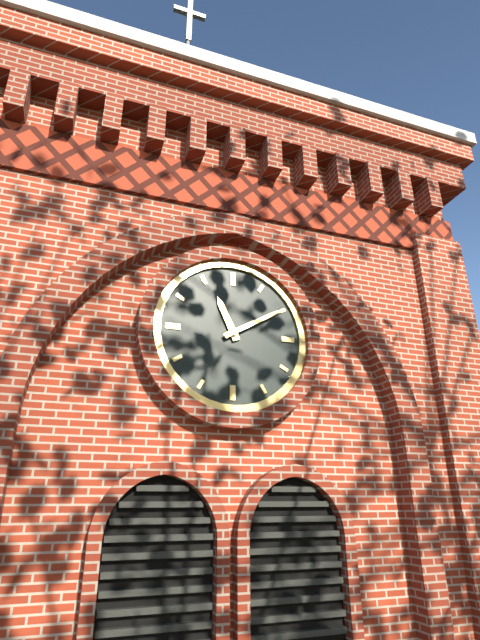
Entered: 11,10
